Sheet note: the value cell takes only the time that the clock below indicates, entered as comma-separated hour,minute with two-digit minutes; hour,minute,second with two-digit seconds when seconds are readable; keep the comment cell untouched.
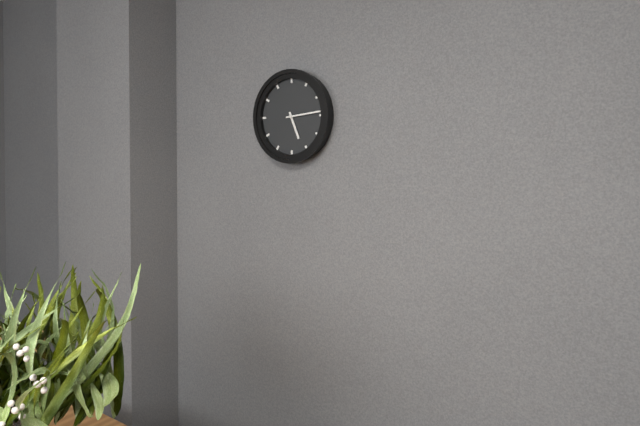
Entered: 5,14
